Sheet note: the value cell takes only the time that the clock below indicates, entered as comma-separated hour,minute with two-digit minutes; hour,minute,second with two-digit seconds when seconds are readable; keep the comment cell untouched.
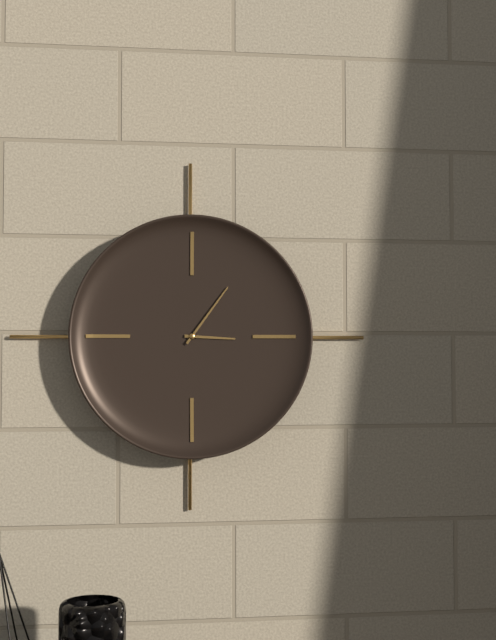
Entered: 3,06
